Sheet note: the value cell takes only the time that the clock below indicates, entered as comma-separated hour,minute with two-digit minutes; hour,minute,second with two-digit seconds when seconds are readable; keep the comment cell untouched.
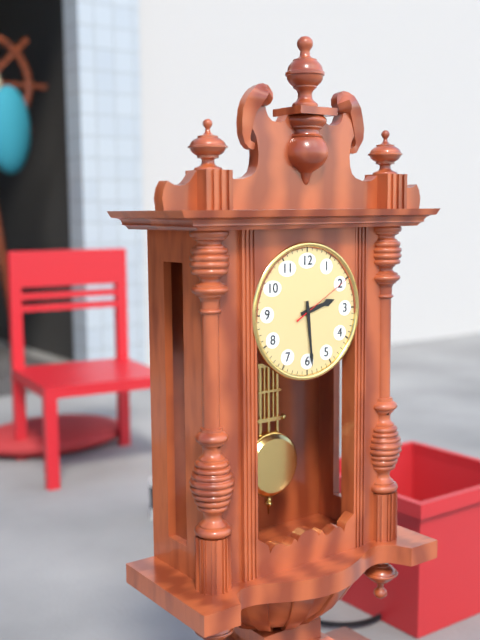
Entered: 2,29,10
